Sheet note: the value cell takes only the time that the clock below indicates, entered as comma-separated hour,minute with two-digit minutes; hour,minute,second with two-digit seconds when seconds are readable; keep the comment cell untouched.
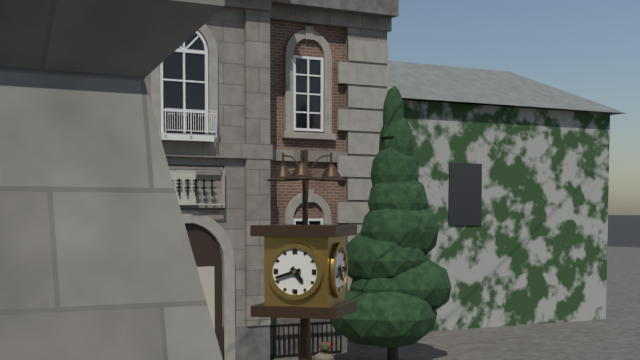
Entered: 4,42
